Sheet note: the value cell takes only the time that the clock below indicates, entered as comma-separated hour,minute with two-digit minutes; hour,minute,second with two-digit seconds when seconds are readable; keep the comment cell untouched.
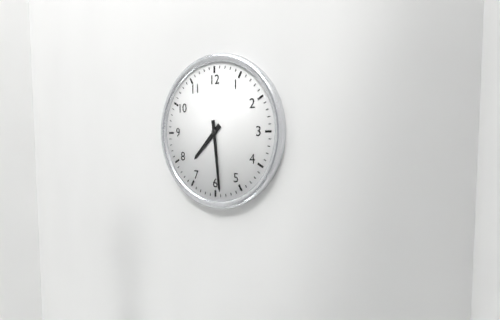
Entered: 7,29
